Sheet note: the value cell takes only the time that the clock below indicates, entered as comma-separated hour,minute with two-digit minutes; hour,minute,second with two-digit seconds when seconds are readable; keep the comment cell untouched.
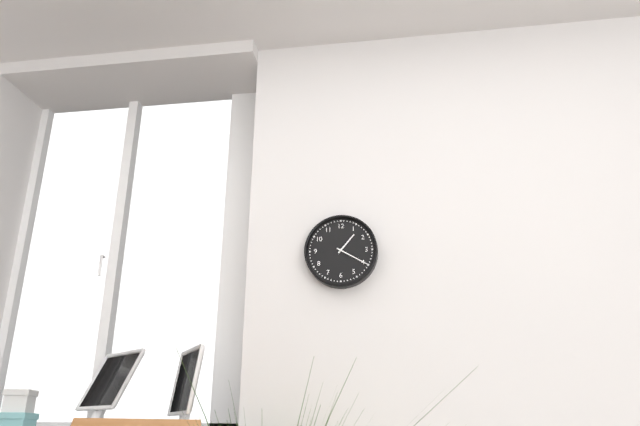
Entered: 1,20
